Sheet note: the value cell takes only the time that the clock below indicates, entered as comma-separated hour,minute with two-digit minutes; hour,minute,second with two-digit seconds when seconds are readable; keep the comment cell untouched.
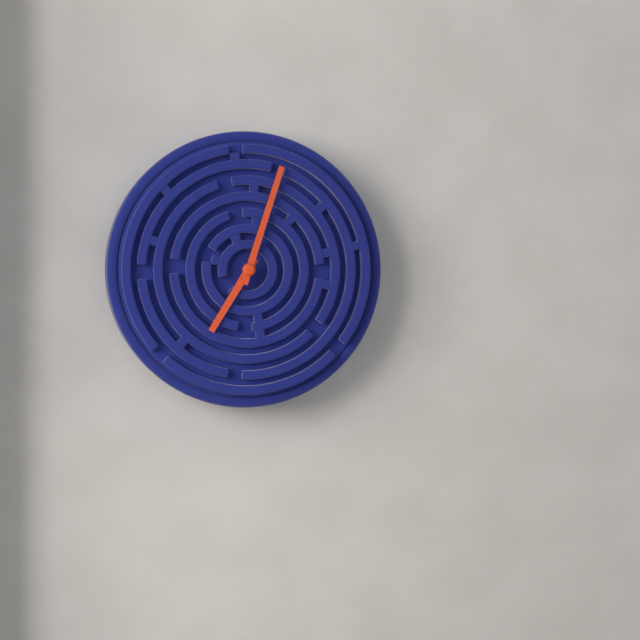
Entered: 7,03
